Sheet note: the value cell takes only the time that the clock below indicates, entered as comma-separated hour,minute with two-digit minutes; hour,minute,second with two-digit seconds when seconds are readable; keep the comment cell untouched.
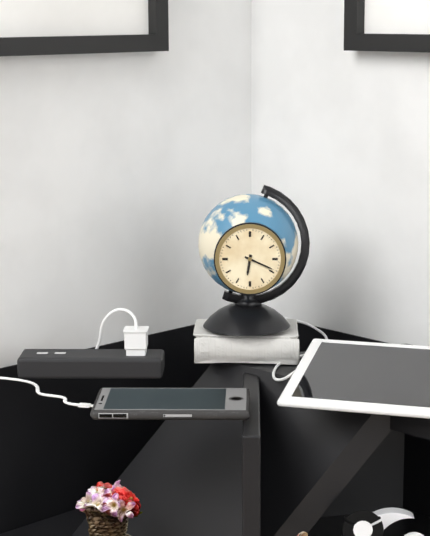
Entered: 6,19
